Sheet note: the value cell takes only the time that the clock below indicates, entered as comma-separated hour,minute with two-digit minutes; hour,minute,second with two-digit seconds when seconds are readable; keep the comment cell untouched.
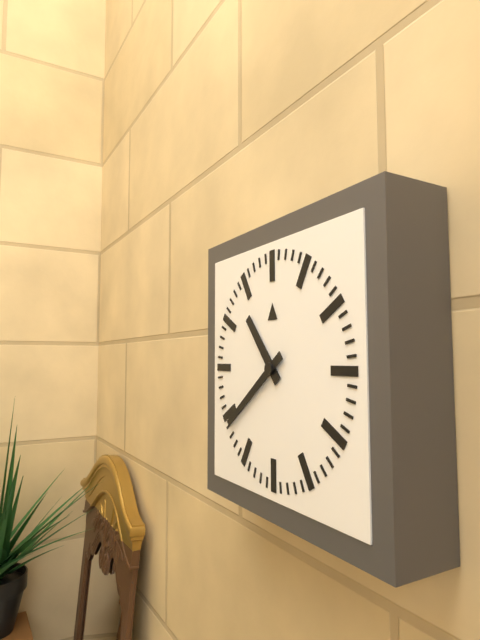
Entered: 10,39
